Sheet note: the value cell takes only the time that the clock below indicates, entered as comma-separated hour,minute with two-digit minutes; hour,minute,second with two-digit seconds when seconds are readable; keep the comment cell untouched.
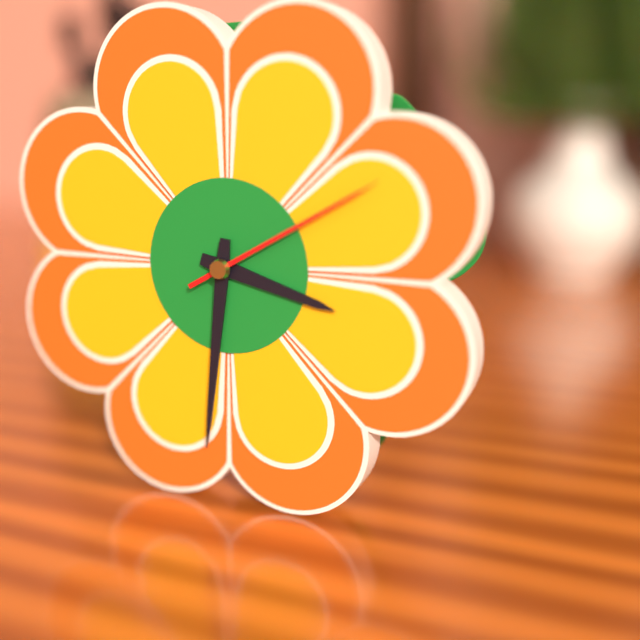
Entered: 3,31,10
